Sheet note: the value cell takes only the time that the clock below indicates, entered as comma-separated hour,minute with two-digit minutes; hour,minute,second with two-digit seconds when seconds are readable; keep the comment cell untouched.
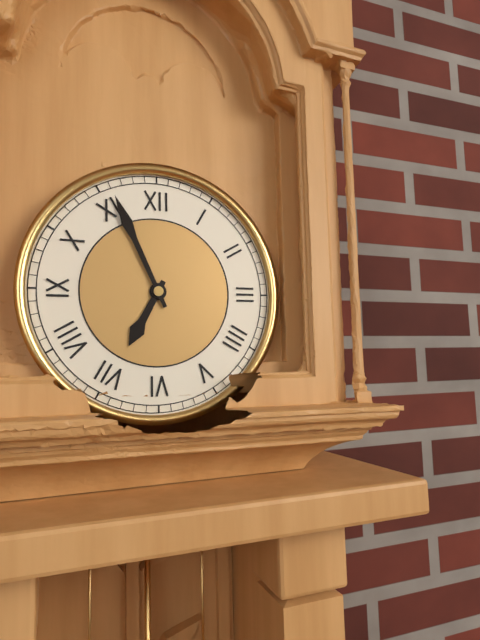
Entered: 6,56
